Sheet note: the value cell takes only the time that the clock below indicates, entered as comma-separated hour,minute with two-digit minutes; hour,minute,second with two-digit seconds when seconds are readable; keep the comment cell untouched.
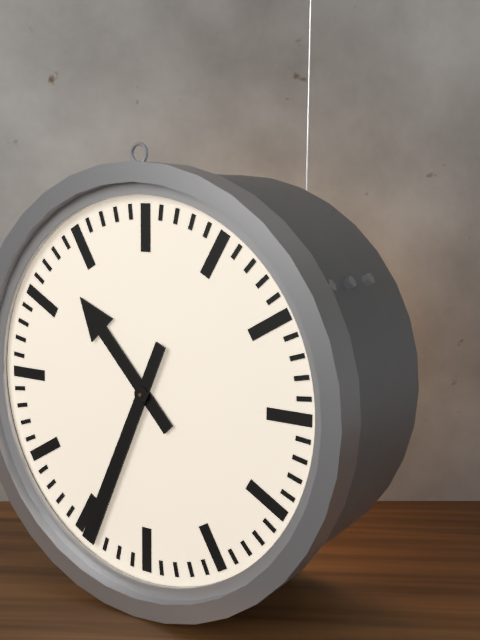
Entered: 10,34
